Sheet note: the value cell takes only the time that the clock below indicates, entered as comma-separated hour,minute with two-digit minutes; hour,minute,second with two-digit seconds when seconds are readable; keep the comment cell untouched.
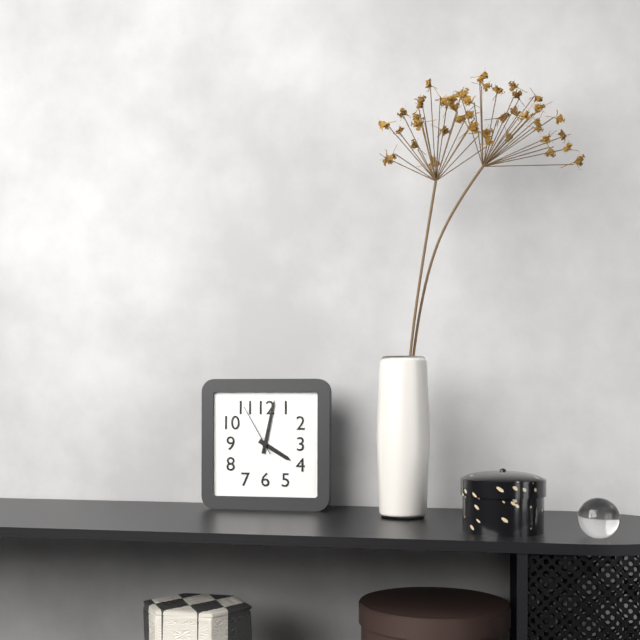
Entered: 4,02,55
